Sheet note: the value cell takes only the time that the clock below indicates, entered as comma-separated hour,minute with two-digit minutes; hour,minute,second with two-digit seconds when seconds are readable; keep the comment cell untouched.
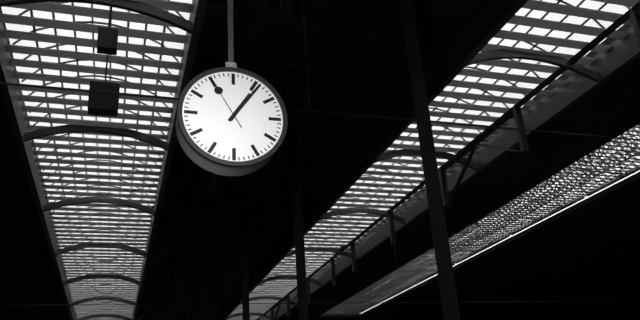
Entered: 1,06
